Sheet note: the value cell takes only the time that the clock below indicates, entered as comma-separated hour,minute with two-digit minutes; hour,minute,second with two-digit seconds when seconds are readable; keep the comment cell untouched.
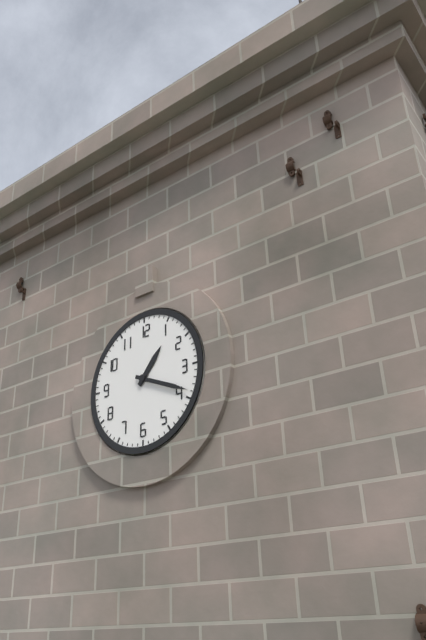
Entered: 1,19
